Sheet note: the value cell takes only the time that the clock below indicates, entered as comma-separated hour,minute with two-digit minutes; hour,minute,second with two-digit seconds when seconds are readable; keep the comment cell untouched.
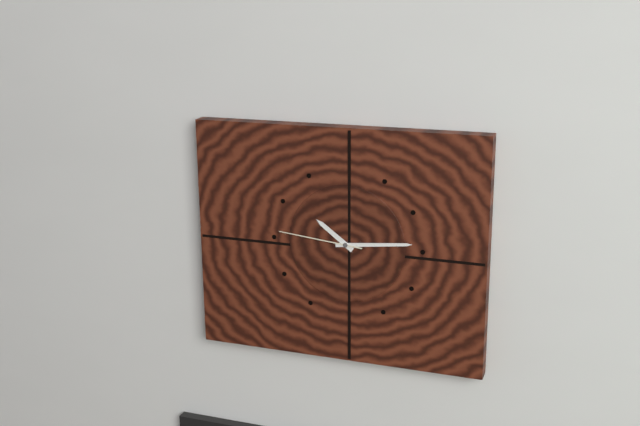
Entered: 10,14,46
